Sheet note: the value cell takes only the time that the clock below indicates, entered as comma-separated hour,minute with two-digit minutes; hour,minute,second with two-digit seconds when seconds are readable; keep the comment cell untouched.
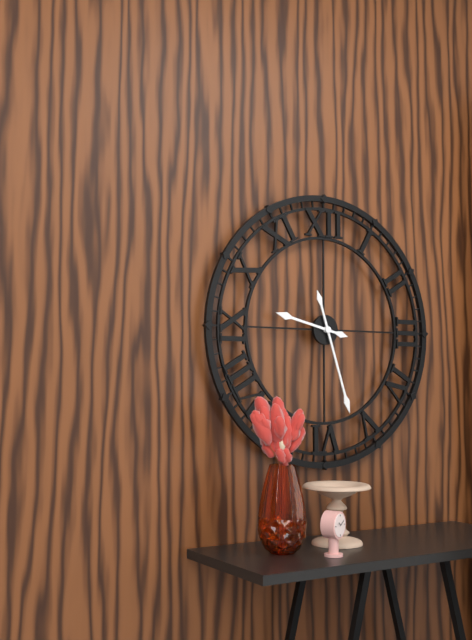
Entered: 9,27
